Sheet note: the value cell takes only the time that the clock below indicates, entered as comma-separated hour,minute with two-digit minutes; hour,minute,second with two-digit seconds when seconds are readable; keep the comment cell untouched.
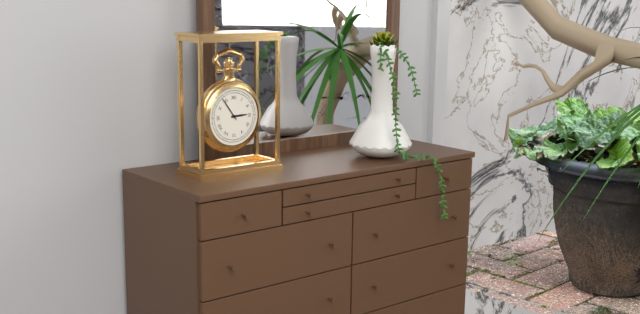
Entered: 2,54
